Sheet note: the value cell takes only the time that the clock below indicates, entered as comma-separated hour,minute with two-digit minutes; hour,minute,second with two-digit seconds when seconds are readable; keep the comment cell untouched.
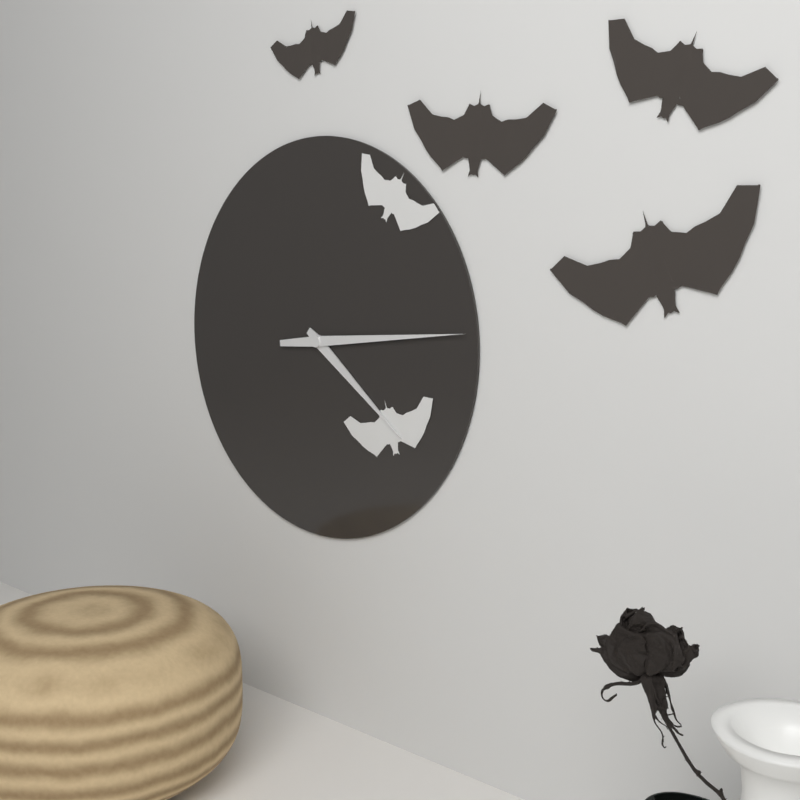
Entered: 4,14
